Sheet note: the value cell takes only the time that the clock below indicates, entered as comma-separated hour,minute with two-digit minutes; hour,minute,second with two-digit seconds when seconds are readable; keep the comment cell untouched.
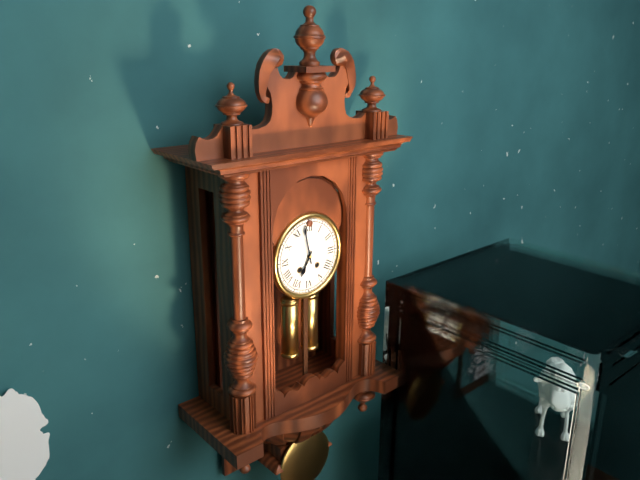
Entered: 6,58
